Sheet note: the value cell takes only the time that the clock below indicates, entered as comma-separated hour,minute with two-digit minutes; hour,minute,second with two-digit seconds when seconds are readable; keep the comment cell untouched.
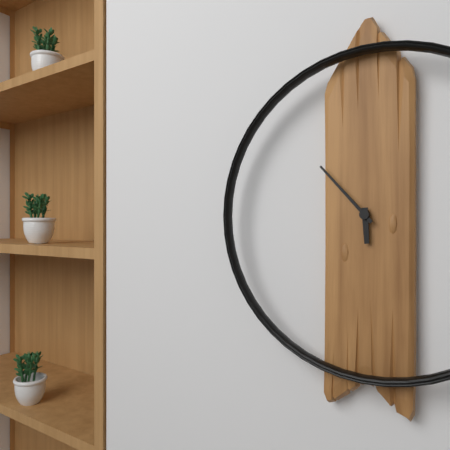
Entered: 5,53
